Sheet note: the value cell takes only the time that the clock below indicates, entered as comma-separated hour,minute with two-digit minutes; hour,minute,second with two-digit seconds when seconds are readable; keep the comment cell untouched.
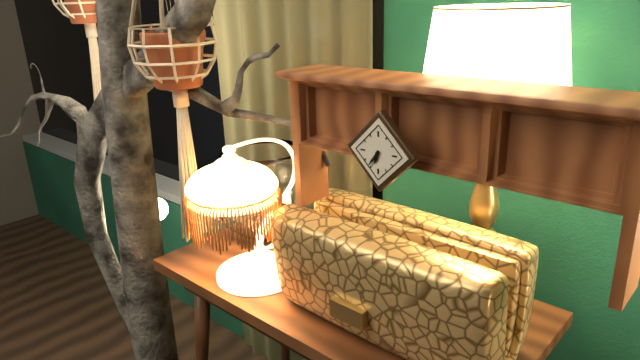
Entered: 6,36
